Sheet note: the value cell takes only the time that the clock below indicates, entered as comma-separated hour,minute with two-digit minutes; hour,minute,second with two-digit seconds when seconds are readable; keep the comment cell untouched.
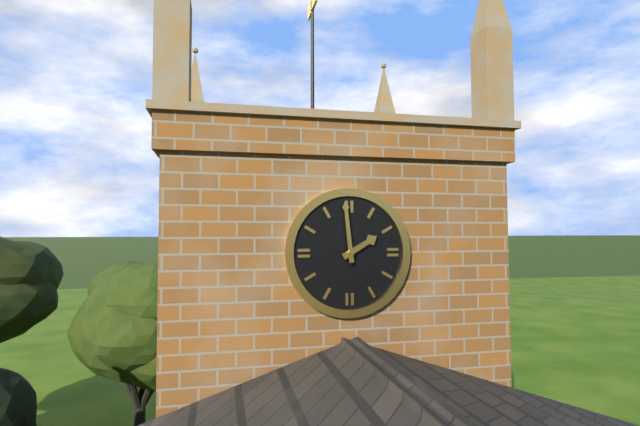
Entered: 1,59
